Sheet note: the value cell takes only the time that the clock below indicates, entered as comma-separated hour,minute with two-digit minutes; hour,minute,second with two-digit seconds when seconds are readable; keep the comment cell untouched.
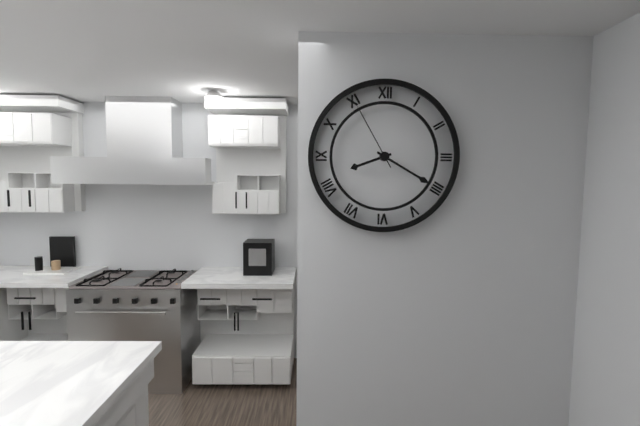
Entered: 8,20,55
